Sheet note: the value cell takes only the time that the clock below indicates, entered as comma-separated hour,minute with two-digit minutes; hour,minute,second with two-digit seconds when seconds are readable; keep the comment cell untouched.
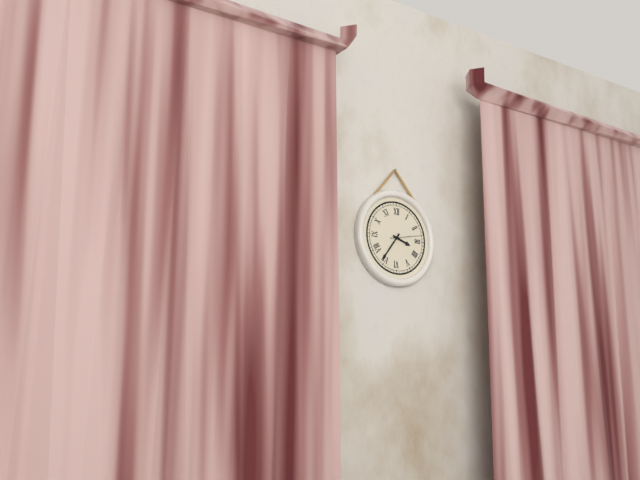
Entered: 3,36
